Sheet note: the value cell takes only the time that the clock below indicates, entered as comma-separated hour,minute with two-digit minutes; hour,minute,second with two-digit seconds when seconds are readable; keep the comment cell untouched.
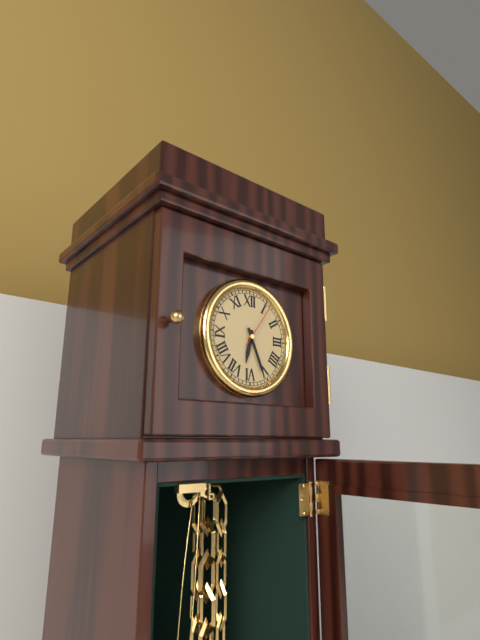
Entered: 6,26,06
